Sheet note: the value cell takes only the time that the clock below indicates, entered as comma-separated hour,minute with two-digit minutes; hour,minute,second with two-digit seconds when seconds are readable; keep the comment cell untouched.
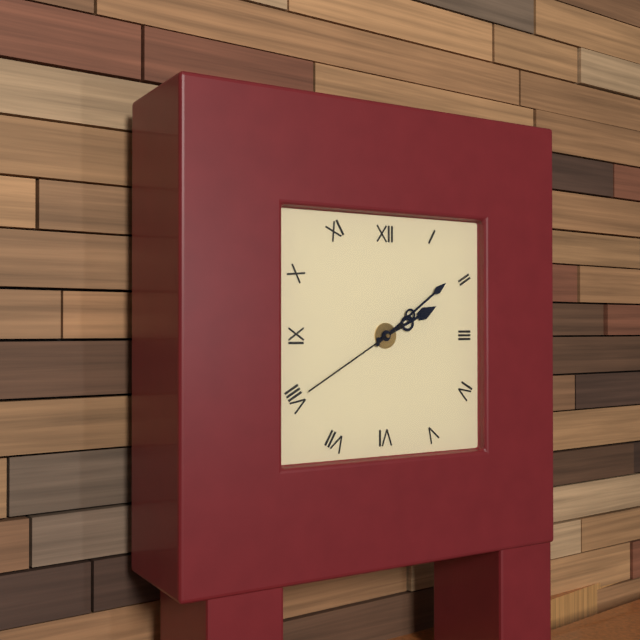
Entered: 2,09,40
